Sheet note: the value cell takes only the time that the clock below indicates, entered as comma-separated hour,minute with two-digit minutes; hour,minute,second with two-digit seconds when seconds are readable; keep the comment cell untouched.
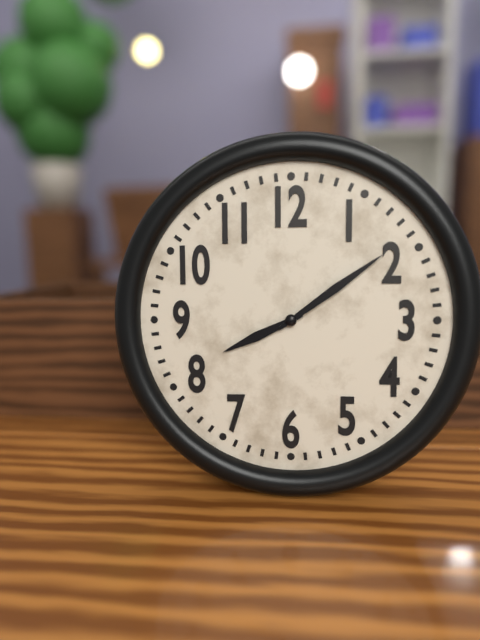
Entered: 8,09
